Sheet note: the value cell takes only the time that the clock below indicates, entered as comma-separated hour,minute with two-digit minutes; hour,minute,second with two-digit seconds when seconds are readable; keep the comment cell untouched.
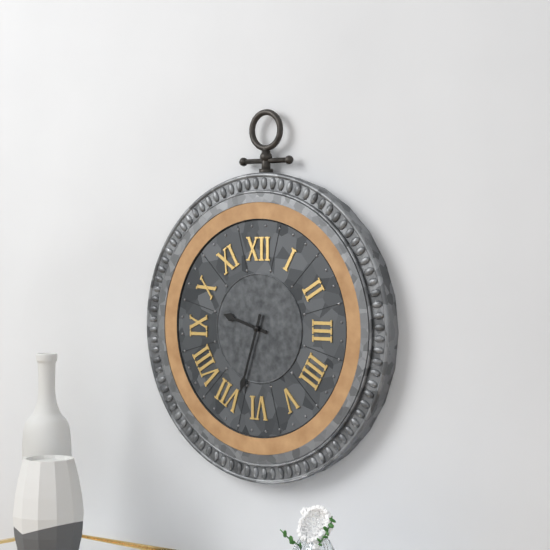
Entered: 9,33
